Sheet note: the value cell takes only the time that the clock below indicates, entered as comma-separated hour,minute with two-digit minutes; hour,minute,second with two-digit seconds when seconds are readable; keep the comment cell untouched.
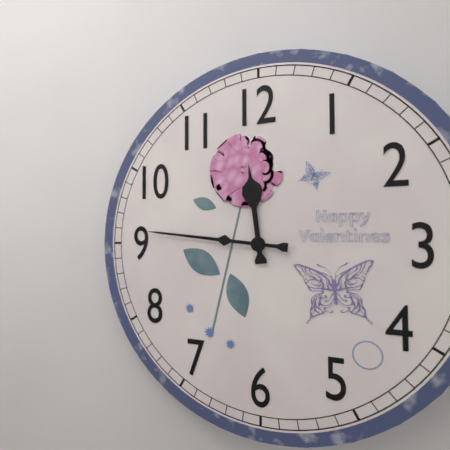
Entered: 11,46
